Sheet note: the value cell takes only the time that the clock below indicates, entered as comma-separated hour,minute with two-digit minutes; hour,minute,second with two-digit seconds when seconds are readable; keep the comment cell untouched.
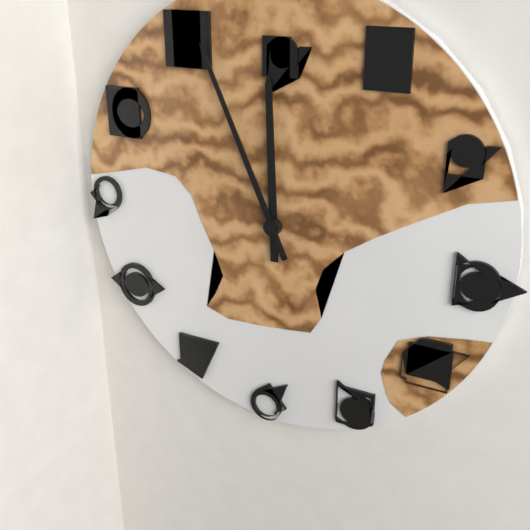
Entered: 11,56
